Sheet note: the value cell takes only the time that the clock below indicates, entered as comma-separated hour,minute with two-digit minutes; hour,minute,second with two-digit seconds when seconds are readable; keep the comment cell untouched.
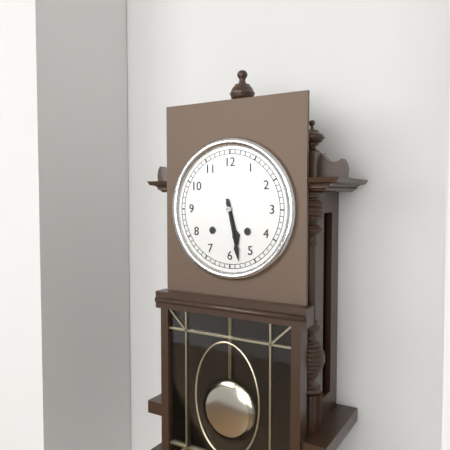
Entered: 5,28
